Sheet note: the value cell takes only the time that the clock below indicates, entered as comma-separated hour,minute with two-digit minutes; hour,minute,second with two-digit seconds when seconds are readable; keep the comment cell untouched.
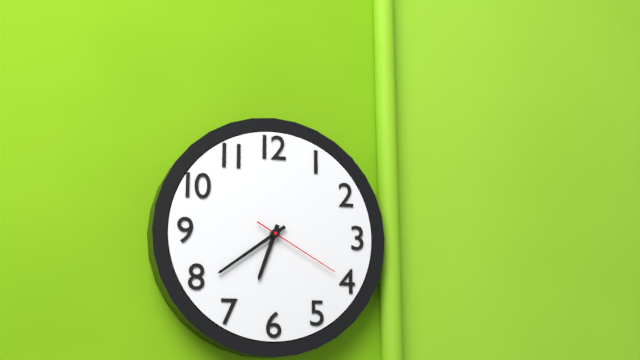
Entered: 6,39,20
